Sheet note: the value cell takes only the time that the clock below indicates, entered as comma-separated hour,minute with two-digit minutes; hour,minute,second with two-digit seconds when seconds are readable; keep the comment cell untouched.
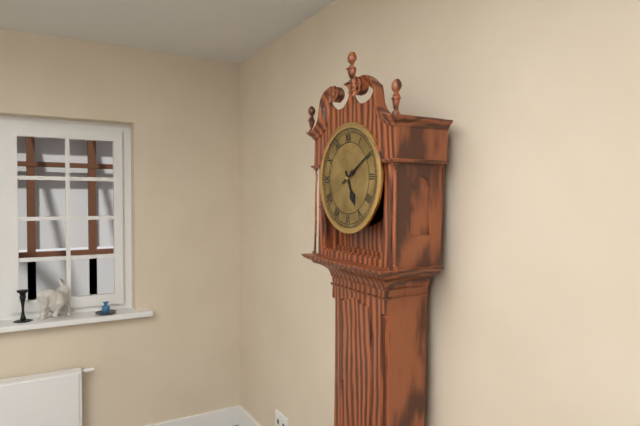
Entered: 5,10
